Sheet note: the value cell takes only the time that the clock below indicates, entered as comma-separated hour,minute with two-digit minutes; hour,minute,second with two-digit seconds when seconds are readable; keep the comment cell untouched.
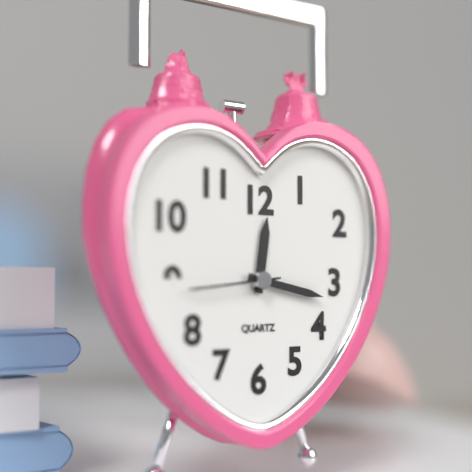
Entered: 12,17,44
